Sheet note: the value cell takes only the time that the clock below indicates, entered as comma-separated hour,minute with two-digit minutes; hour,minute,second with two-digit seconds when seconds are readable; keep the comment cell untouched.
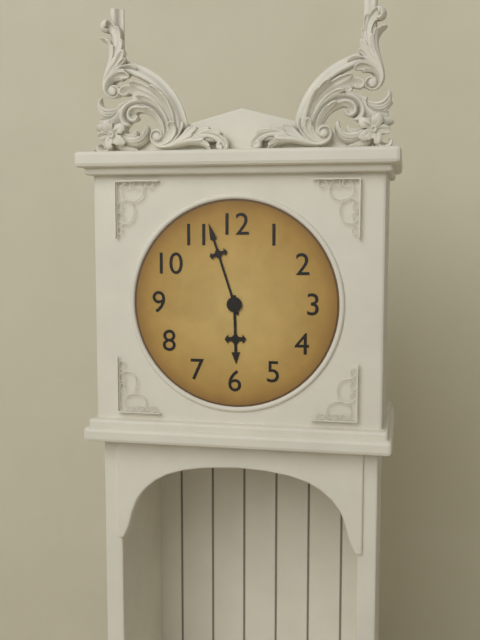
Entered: 5,57
